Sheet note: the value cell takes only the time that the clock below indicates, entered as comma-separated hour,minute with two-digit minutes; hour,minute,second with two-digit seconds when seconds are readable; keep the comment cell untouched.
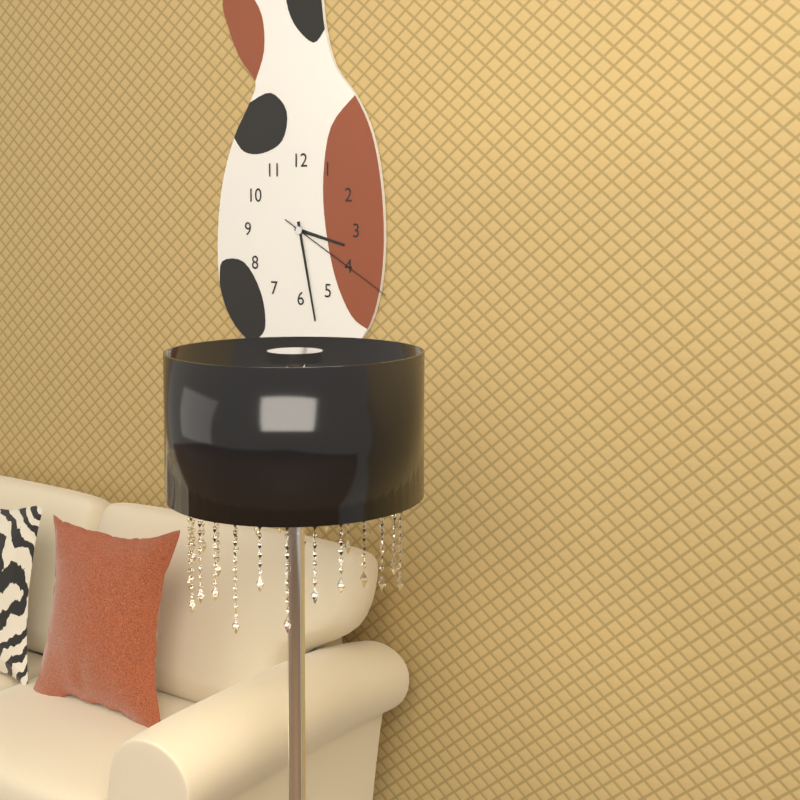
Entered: 3,28,20
